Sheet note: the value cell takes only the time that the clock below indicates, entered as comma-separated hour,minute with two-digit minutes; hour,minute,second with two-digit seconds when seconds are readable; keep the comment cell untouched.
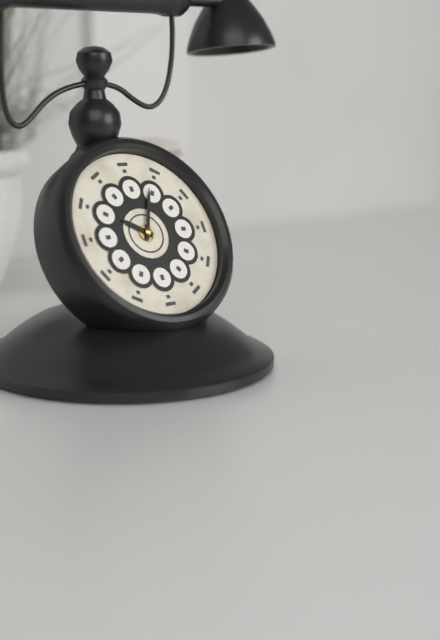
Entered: 10,04
